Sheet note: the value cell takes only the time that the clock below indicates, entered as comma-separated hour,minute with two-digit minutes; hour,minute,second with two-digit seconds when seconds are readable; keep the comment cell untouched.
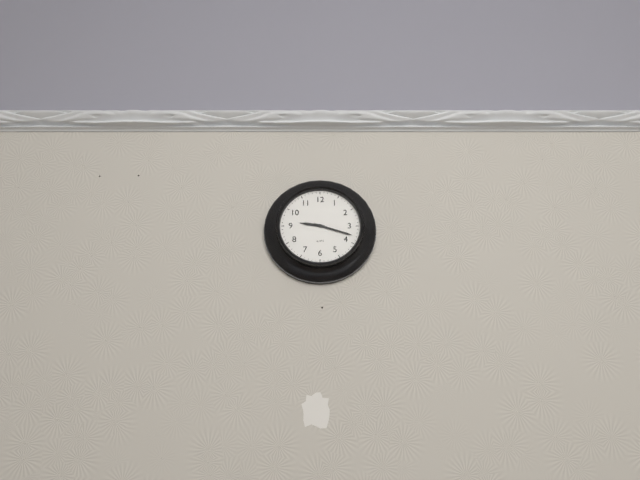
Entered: 9,18
